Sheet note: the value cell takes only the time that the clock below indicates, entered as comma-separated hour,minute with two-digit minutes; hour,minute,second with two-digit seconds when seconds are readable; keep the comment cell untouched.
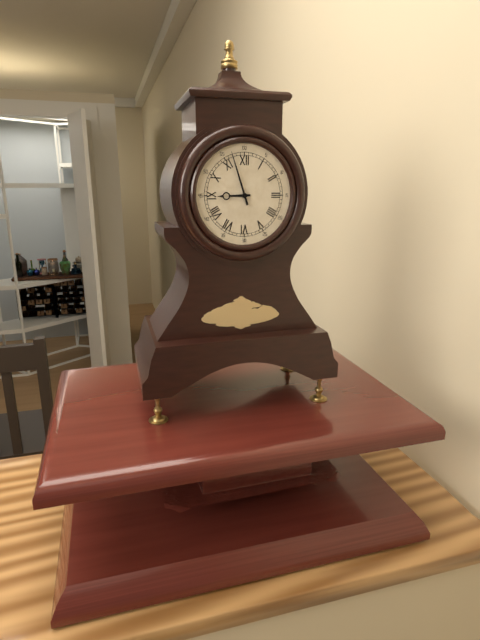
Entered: 8,57
